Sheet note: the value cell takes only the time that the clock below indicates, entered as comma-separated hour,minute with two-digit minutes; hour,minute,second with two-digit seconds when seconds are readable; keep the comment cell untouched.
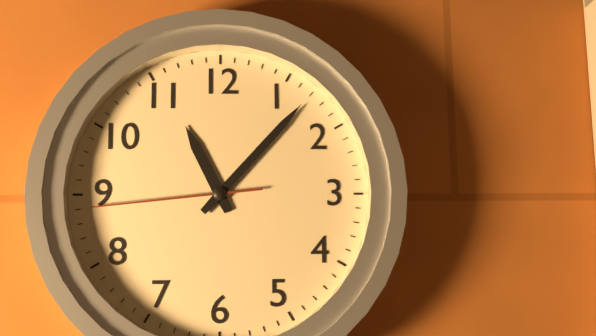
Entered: 11,07,44
